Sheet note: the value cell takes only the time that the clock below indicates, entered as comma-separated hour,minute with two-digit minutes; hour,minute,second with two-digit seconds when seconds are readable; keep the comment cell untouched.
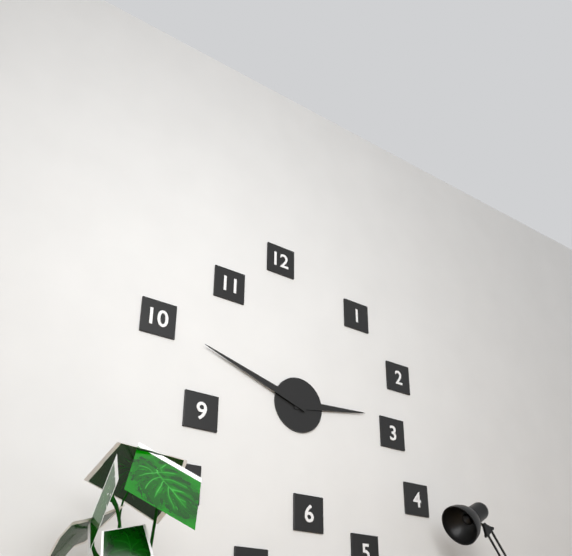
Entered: 2,48
